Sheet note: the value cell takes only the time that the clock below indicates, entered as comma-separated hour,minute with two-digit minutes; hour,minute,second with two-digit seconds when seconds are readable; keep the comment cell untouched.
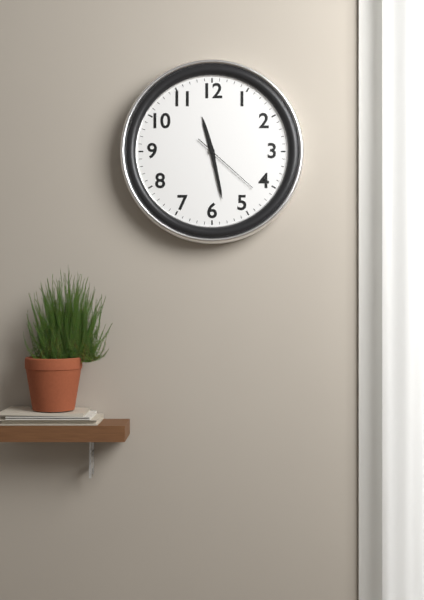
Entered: 11,28,22
